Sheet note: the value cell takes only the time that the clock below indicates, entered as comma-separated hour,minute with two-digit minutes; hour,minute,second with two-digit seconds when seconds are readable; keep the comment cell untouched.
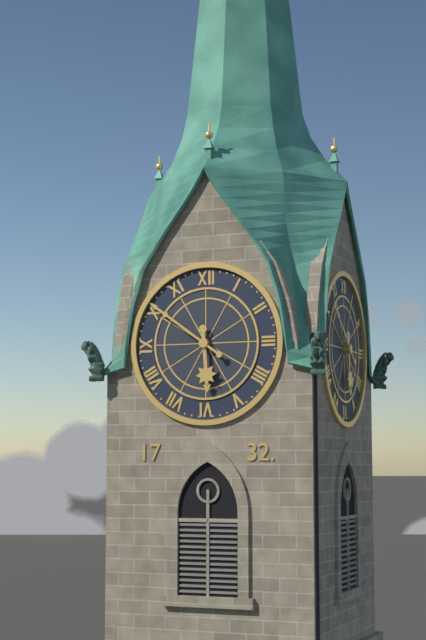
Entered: 5,51
